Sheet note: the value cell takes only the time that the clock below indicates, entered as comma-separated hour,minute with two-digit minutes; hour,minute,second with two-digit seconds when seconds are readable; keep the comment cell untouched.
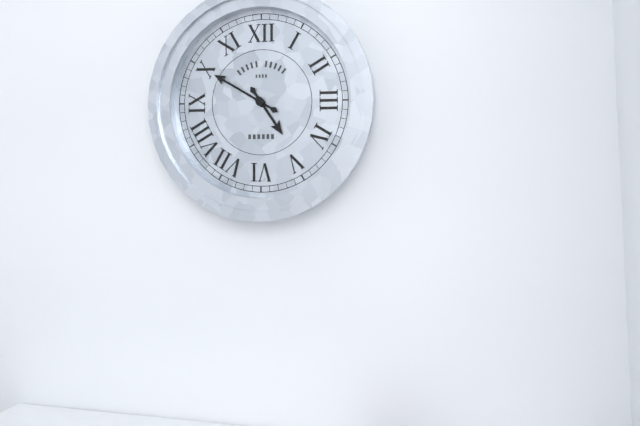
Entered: 4,50
